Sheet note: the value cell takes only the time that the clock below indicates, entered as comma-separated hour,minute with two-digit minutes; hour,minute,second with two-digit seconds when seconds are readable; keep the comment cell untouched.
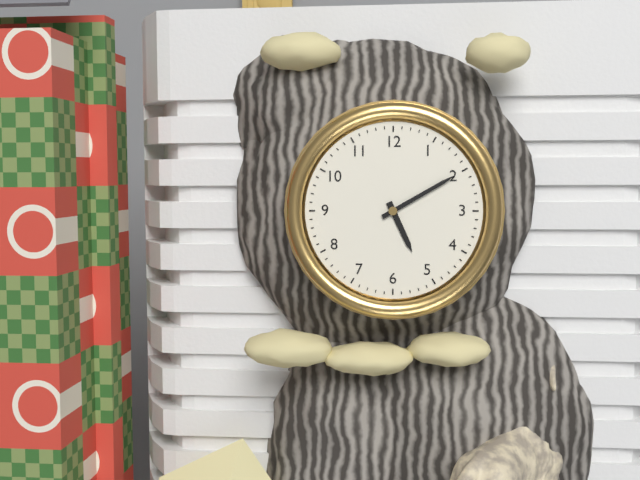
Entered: 5,10
